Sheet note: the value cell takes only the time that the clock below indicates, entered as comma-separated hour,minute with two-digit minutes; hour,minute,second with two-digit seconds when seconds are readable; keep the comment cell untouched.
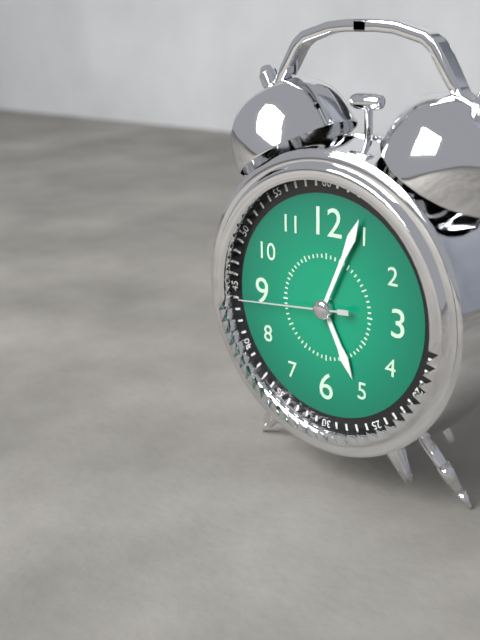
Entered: 5,04,44
